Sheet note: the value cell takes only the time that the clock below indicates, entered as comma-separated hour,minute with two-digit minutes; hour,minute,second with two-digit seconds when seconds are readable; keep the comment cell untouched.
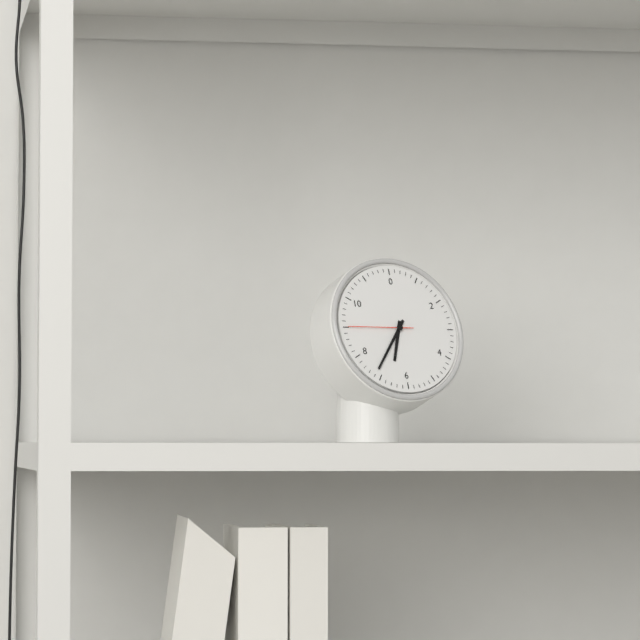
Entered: 6,36,45
